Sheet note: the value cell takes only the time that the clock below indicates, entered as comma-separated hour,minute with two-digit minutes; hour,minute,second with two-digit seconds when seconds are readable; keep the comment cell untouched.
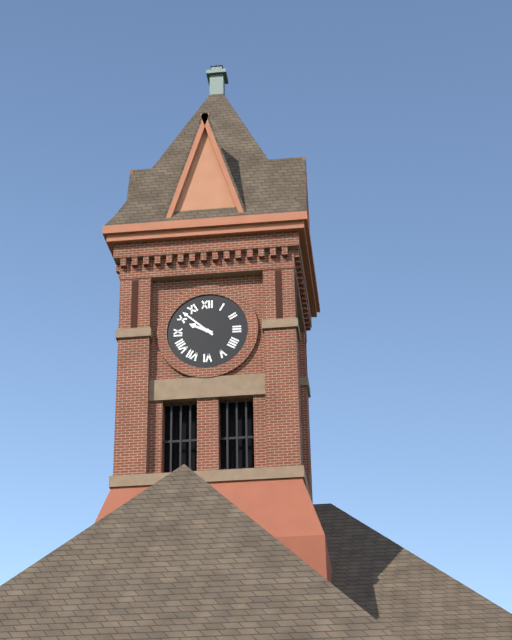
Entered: 9,52
